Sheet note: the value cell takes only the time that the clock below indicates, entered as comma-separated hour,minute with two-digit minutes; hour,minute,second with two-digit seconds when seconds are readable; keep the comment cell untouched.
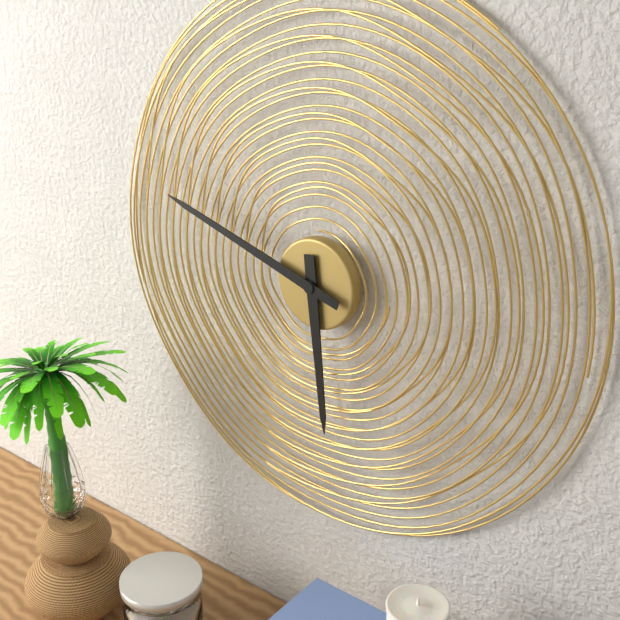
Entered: 5,48
